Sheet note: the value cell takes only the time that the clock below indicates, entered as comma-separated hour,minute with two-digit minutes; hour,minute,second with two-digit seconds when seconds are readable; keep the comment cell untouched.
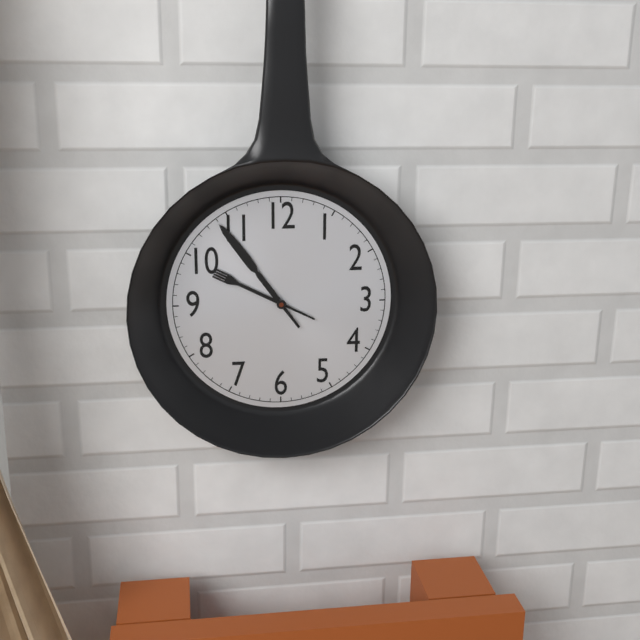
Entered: 9,54
